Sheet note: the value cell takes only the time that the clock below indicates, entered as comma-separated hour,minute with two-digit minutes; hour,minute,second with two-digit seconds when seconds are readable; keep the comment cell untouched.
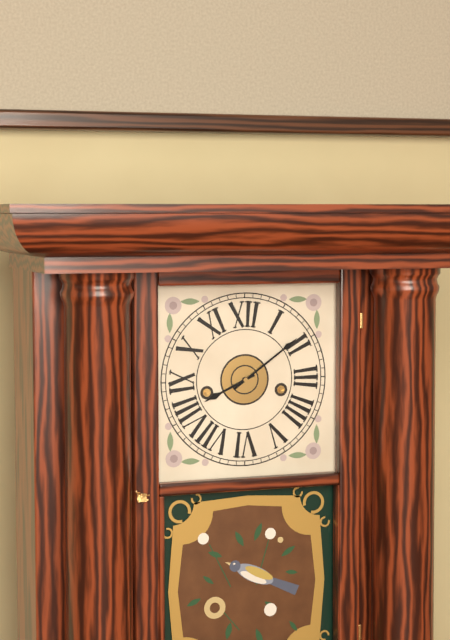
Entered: 8,09
